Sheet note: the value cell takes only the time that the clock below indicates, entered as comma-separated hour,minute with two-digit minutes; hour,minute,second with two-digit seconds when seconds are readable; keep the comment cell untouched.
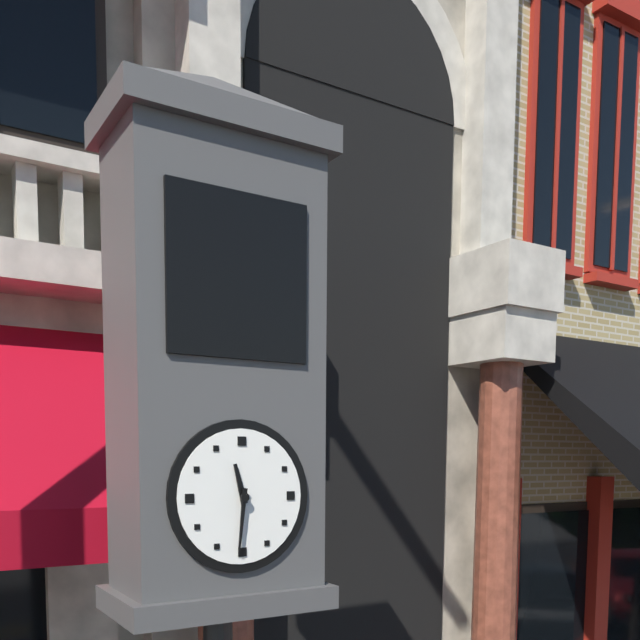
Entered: 11,31
